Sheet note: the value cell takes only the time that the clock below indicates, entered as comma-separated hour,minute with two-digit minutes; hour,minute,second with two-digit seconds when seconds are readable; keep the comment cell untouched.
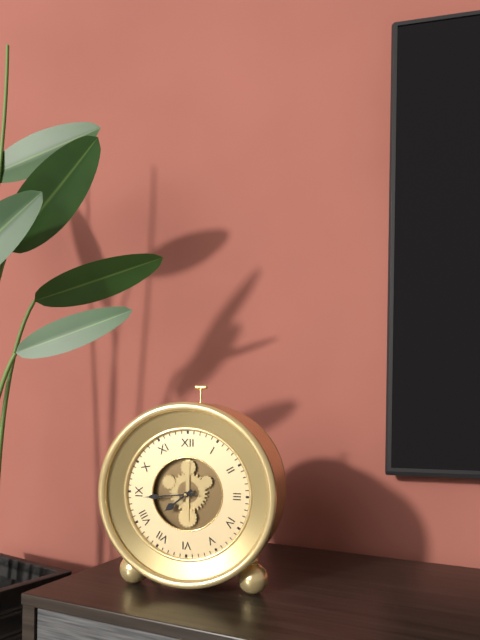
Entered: 7,44
